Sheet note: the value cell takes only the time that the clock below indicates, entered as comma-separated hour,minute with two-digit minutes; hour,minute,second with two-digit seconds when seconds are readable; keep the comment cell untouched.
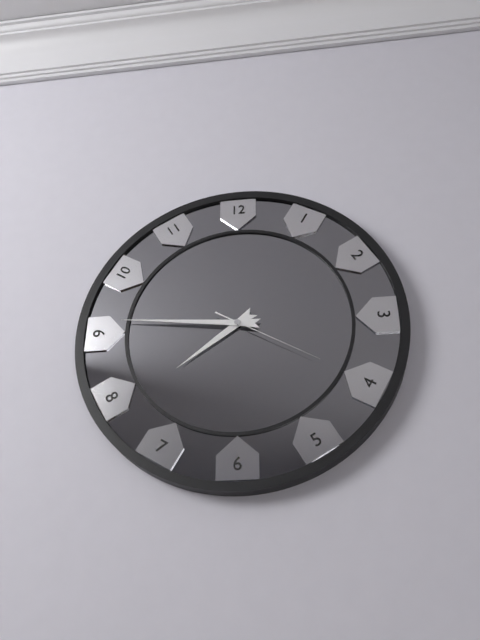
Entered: 7,46,20
